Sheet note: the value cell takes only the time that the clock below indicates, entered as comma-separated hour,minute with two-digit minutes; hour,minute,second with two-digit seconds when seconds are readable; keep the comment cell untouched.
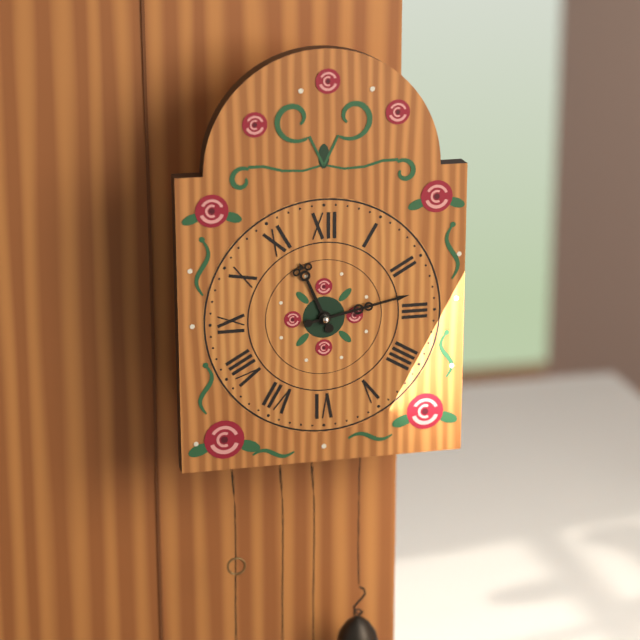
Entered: 11,13
